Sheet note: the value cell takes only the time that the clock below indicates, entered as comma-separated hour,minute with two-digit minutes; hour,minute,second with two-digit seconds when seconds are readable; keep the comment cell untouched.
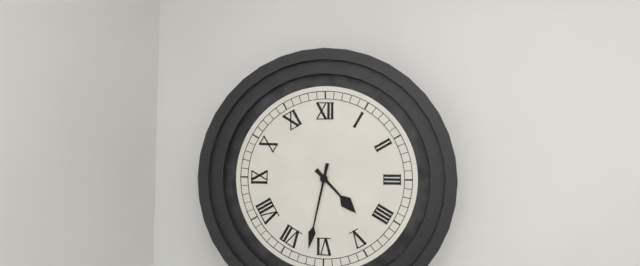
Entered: 4,32
